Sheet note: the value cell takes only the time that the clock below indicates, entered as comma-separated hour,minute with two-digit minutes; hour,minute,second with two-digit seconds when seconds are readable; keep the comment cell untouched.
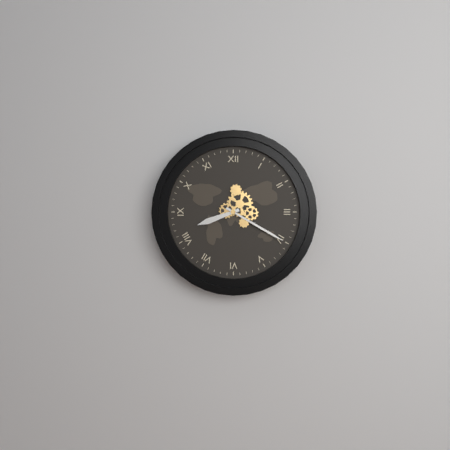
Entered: 8,20
